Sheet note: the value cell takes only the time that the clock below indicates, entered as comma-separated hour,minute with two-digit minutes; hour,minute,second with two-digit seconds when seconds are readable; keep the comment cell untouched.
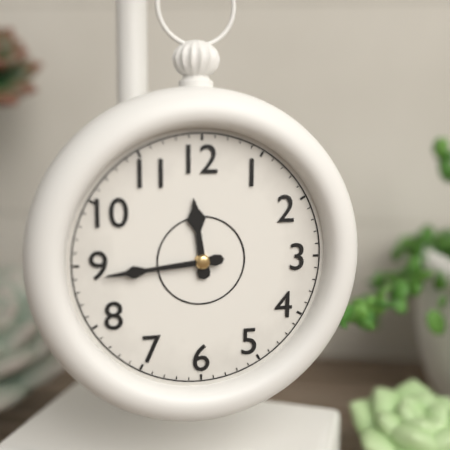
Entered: 11,44
